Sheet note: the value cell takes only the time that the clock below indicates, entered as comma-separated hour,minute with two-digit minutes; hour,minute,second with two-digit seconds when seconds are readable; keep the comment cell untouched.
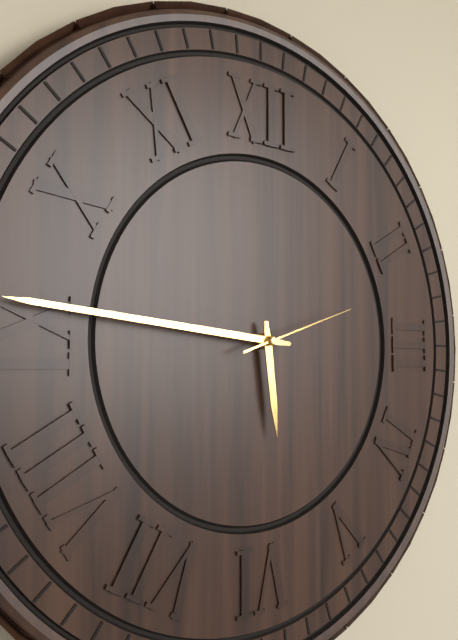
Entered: 5,46,12
